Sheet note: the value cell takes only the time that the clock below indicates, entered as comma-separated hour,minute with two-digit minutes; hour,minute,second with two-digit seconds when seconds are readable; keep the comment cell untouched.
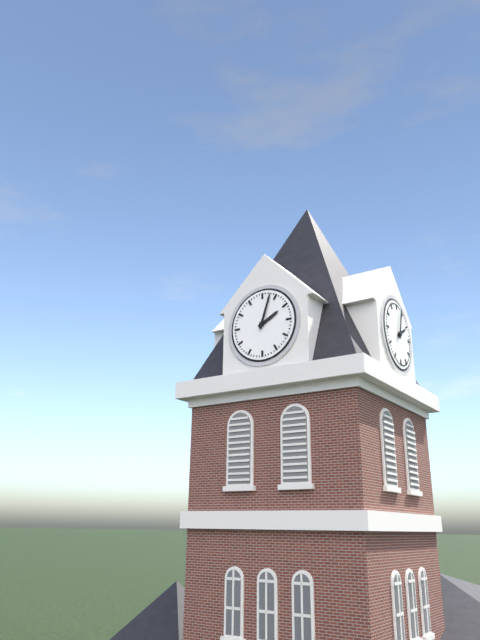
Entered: 2,03
